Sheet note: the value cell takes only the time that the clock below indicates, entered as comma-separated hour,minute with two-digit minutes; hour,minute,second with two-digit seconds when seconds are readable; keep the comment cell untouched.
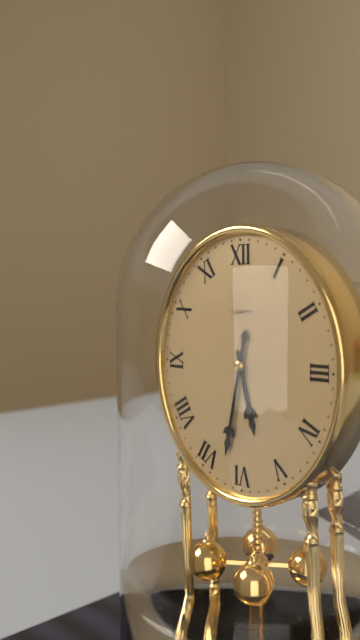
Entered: 5,32
